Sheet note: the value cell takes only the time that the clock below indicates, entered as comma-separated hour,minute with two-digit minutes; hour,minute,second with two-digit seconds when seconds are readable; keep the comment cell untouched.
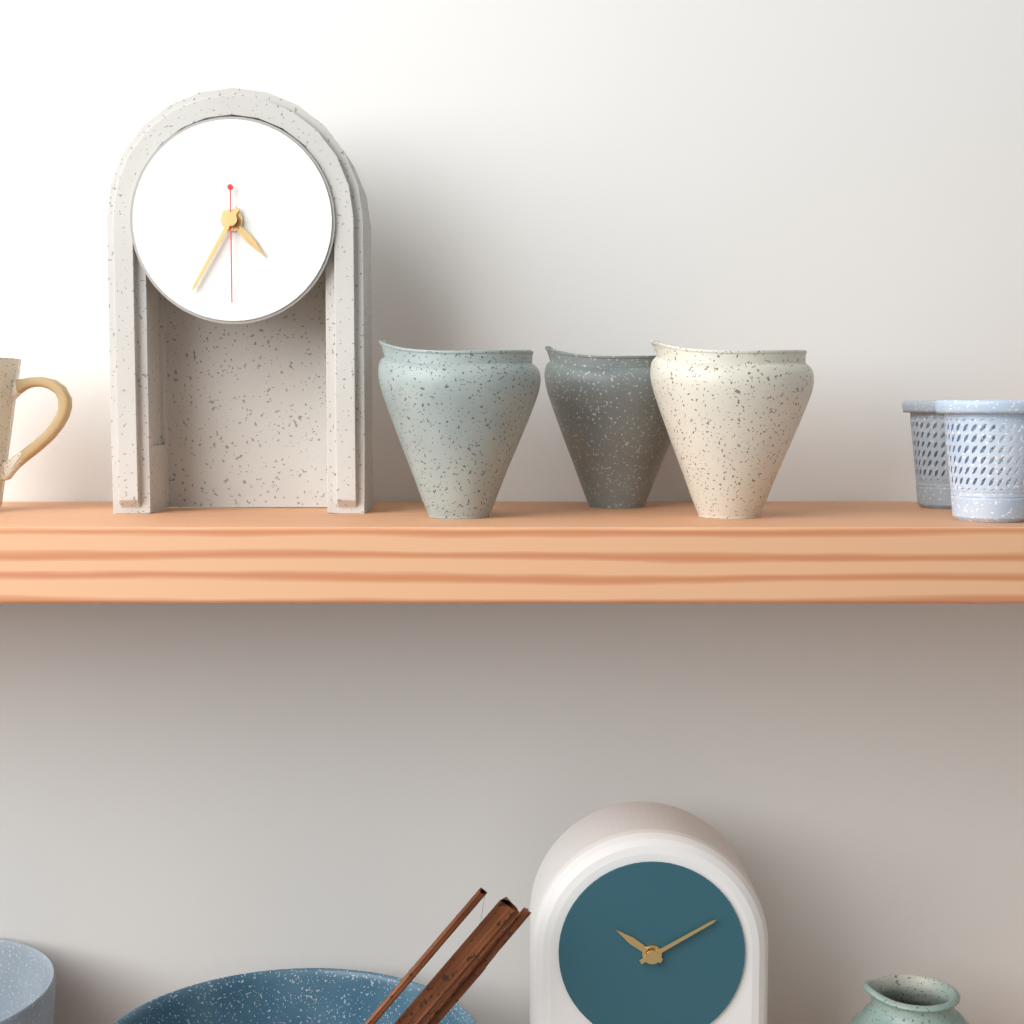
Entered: 4,35,30
